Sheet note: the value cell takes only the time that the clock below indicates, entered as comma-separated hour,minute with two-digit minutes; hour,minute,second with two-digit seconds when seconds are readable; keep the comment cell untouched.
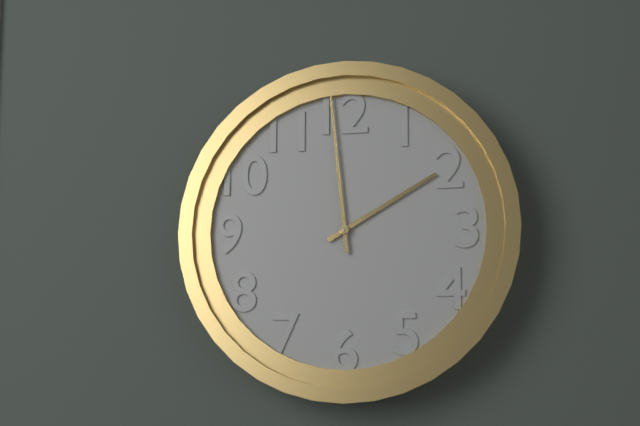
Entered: 1,59
